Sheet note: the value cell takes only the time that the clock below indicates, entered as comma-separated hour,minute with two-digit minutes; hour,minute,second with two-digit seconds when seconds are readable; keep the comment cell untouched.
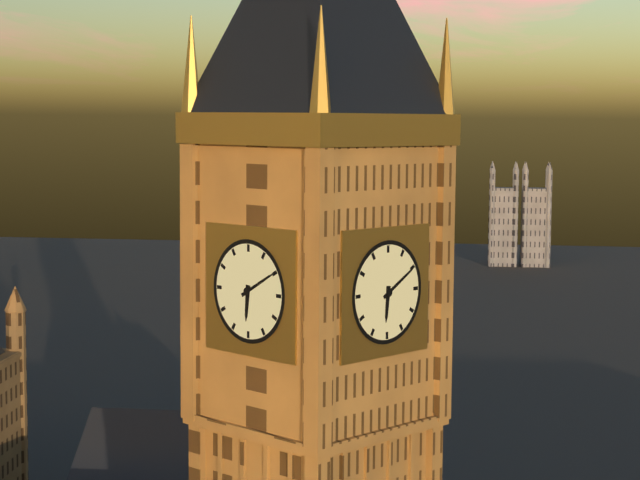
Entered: 6,10
